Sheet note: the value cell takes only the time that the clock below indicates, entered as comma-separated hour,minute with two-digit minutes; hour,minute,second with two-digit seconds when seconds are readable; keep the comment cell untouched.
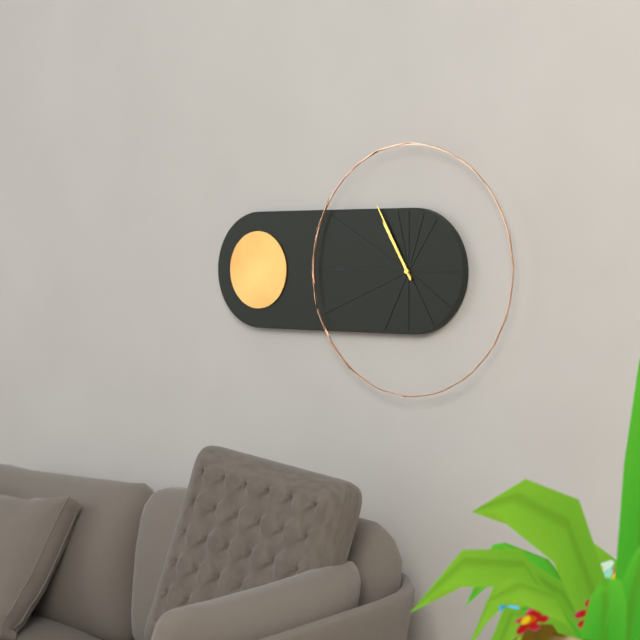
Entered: 10,55
